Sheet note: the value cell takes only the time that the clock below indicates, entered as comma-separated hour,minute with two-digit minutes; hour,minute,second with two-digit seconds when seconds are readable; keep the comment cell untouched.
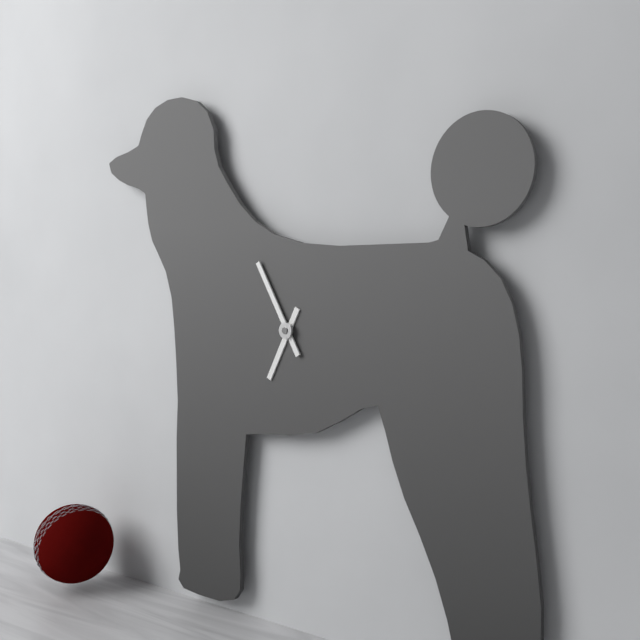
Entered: 6,55
